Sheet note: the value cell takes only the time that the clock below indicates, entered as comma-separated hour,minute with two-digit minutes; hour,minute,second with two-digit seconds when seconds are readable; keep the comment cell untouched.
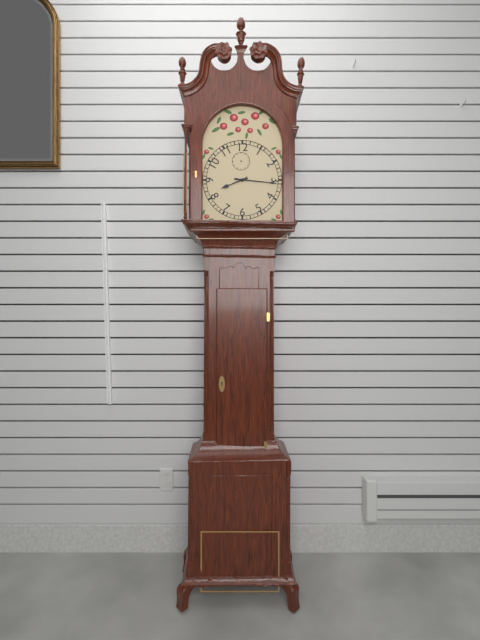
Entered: 8,16
